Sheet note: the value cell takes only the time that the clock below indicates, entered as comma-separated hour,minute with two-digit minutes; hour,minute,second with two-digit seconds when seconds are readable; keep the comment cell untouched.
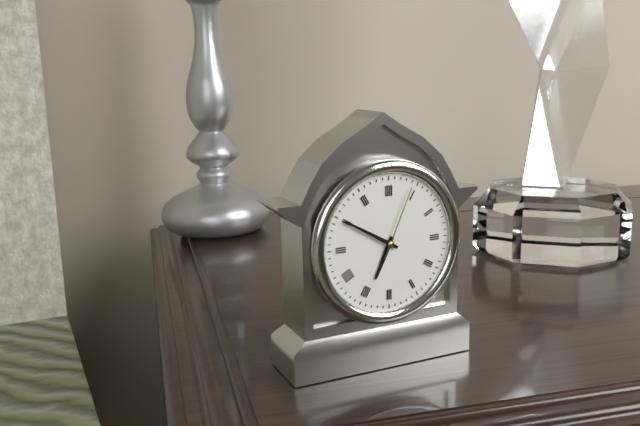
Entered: 6,50,04
